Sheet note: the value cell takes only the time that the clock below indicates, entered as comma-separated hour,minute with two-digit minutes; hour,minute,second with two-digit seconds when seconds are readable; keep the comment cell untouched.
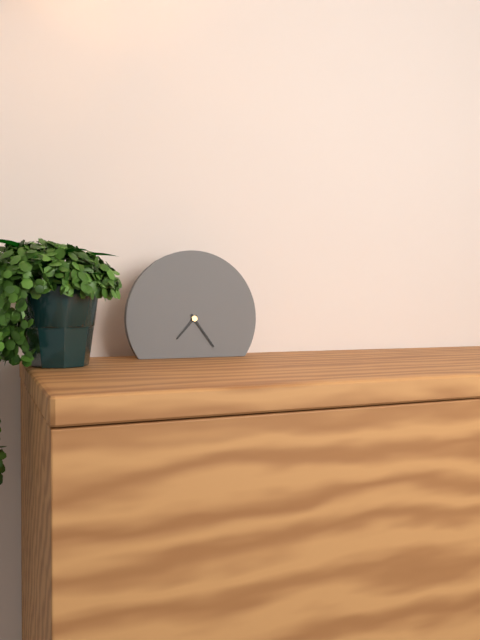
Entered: 7,24
